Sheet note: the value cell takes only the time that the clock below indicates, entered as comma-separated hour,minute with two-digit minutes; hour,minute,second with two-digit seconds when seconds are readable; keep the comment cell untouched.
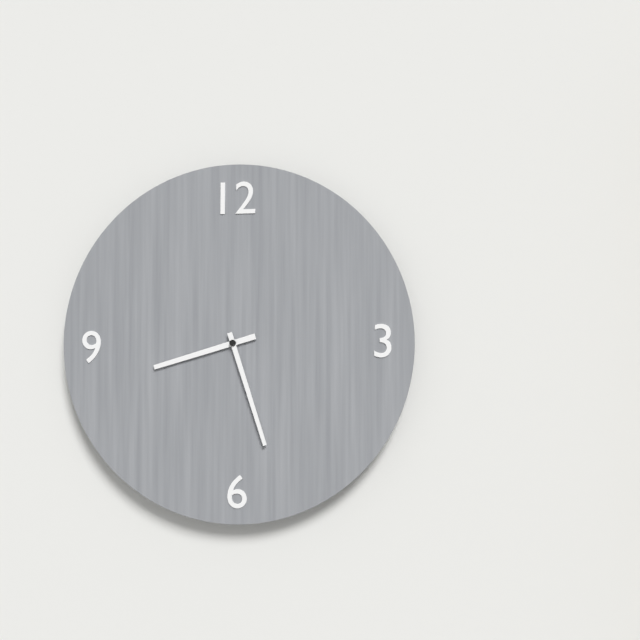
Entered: 8,27
